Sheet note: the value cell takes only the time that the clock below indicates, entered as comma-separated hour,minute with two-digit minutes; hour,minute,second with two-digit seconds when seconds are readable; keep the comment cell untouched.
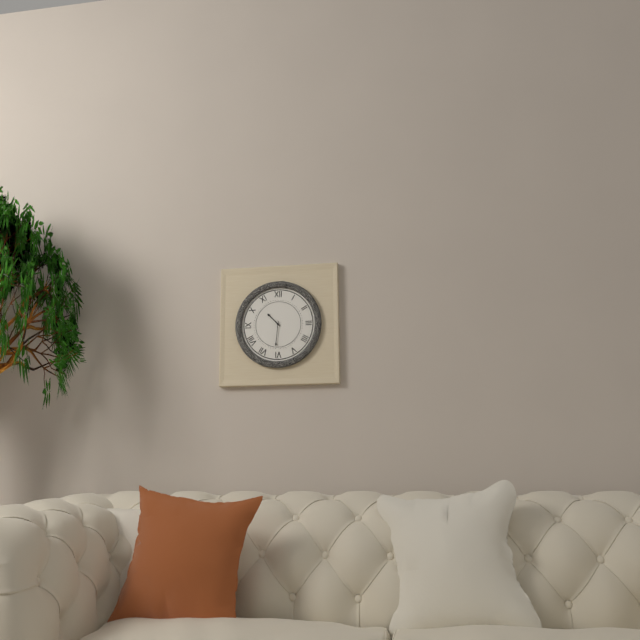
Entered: 10,31
